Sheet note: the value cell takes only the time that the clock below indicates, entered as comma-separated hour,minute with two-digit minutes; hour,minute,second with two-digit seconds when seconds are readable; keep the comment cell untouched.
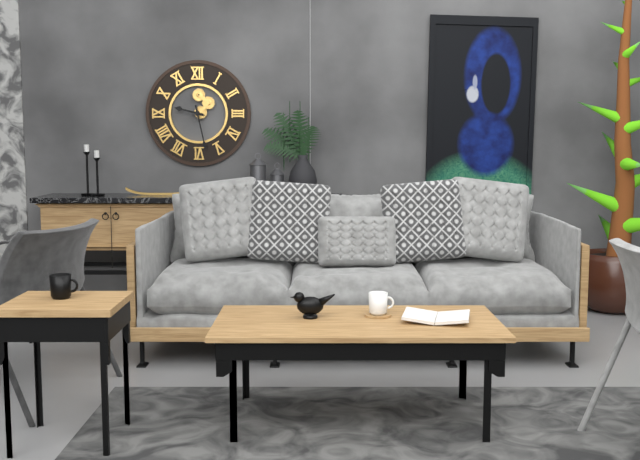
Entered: 9,28
